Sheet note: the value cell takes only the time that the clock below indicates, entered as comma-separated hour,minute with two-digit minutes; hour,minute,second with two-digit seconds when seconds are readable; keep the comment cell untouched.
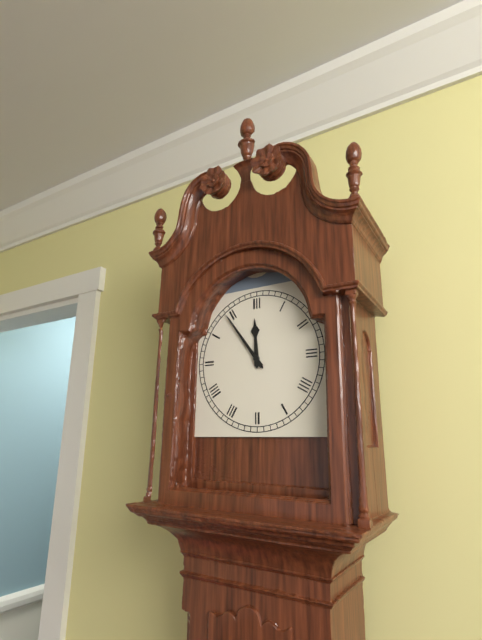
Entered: 11,54
